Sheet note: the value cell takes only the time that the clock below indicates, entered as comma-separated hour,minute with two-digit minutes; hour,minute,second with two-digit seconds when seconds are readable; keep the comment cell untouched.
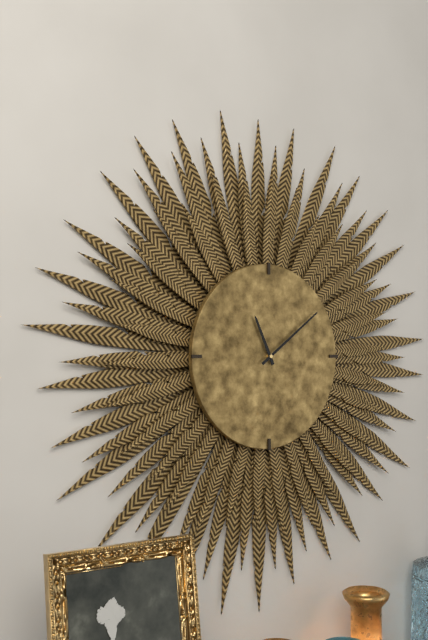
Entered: 11,09
